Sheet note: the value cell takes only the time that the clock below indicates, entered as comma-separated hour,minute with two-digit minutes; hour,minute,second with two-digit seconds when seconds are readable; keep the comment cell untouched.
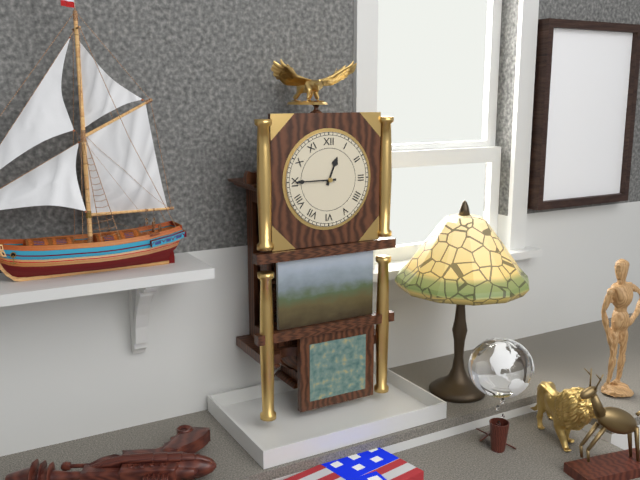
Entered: 12,45
